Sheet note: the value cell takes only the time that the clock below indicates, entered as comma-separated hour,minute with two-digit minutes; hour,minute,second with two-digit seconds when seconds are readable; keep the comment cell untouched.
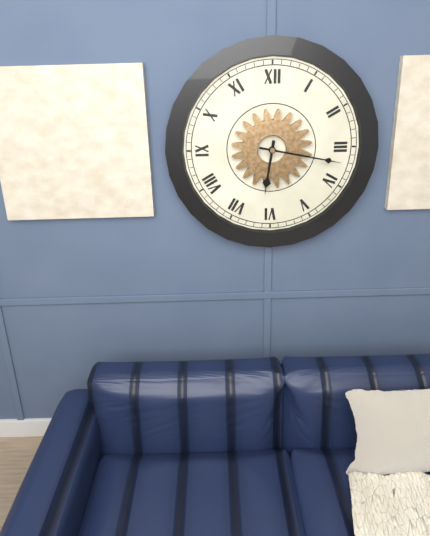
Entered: 6,17
